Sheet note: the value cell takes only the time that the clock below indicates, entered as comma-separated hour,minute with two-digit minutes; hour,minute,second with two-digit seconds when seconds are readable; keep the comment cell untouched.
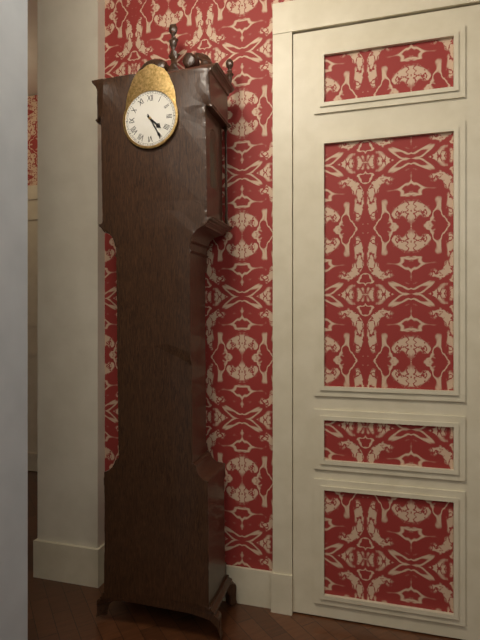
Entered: 4,25
